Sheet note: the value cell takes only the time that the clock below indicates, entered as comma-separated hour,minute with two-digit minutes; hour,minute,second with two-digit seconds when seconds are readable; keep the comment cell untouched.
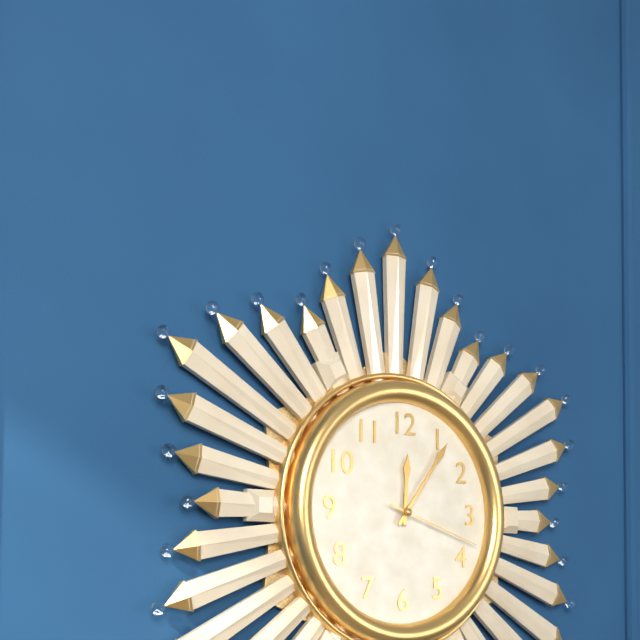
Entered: 12,06,18
